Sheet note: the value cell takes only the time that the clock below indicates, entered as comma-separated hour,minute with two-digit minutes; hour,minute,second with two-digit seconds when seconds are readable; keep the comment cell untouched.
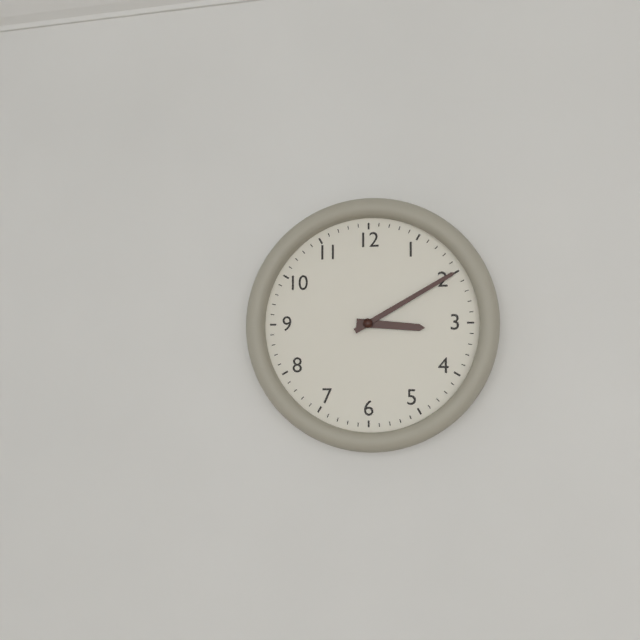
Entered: 3,10
